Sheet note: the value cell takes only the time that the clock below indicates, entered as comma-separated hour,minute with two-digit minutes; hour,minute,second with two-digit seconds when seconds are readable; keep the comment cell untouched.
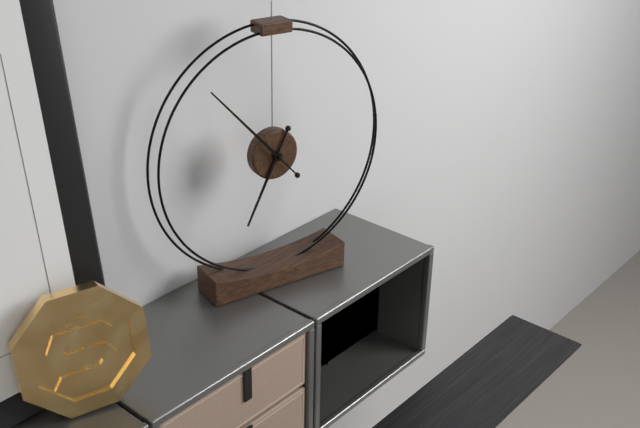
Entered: 6,53
